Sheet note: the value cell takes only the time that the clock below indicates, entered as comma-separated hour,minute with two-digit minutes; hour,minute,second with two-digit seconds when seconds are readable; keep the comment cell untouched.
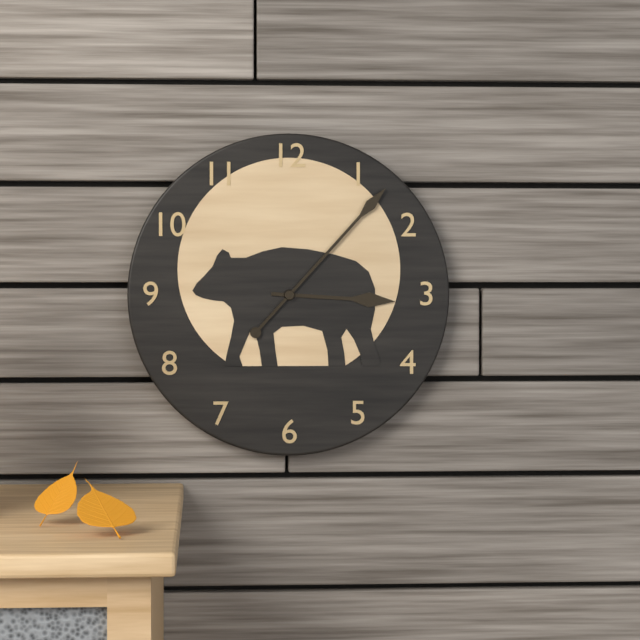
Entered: 3,07
